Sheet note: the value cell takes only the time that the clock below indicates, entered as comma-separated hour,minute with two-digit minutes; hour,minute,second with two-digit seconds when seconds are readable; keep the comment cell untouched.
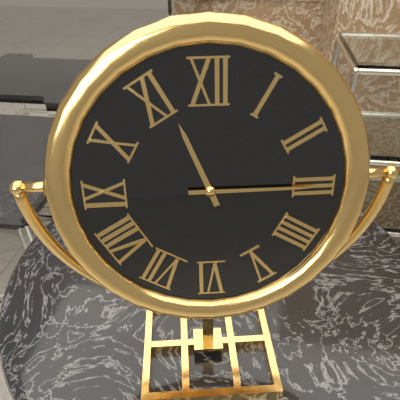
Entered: 11,15
